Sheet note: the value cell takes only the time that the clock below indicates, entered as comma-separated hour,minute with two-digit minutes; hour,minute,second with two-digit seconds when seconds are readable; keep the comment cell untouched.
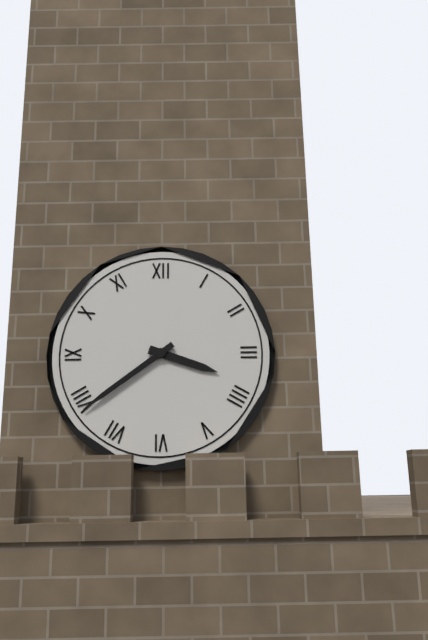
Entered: 3,39
